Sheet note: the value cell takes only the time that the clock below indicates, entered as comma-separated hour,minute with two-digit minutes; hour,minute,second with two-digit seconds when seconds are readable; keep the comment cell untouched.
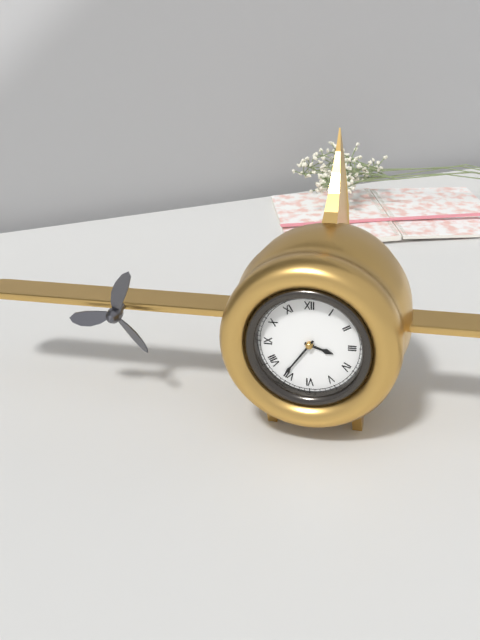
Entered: 3,36
